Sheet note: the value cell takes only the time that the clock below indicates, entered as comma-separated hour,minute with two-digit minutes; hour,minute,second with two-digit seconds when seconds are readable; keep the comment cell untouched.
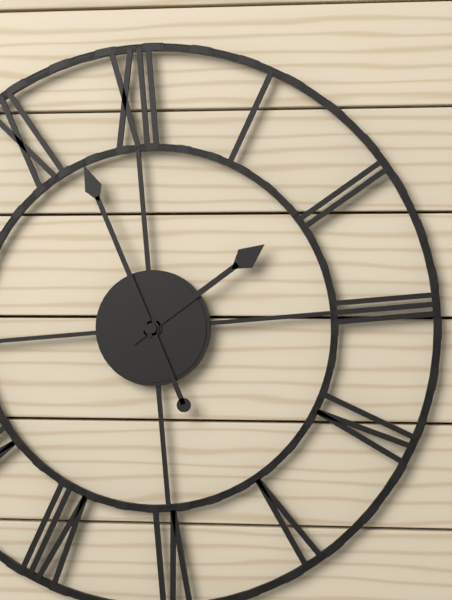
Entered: 1,57
